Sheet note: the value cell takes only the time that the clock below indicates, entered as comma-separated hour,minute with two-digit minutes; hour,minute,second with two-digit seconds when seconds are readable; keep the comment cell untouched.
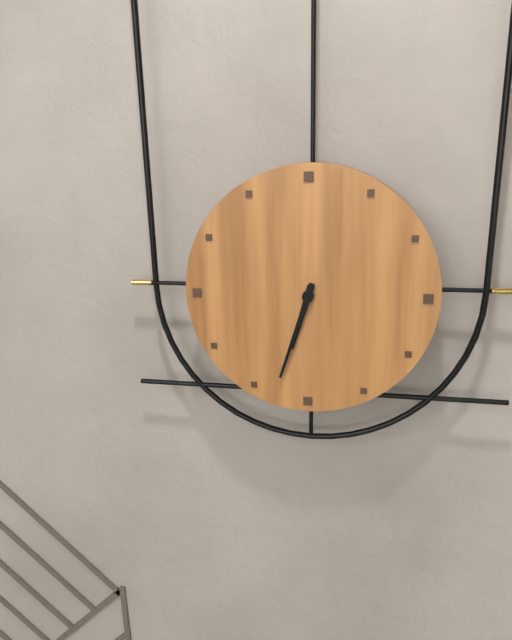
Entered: 6,33
